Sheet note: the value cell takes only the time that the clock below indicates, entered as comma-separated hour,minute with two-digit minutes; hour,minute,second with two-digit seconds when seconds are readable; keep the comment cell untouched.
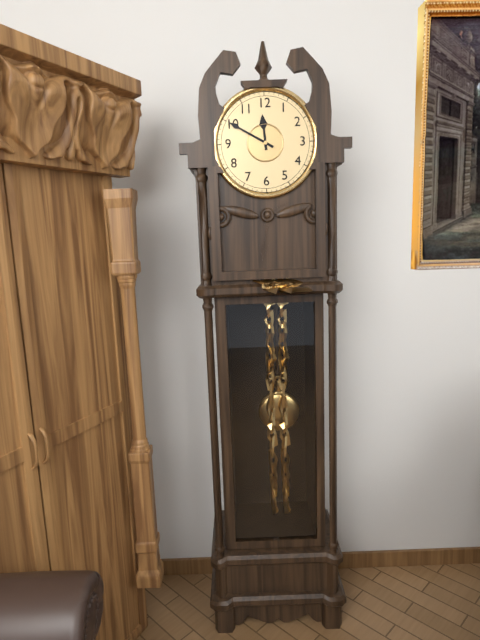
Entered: 11,50
